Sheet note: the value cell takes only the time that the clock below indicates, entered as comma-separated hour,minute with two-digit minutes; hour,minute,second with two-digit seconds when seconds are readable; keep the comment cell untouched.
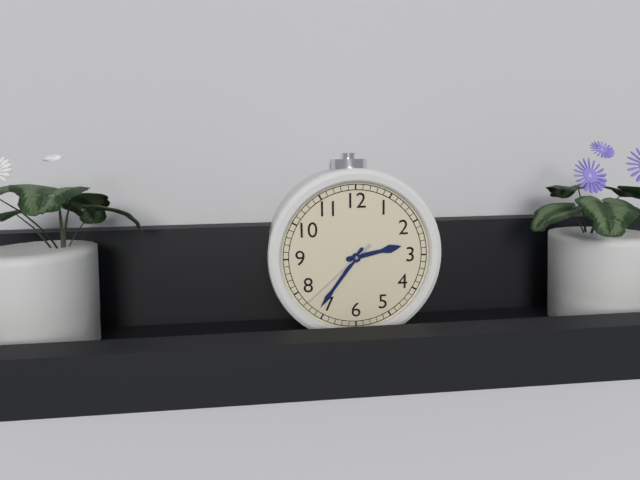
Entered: 2,36,38
